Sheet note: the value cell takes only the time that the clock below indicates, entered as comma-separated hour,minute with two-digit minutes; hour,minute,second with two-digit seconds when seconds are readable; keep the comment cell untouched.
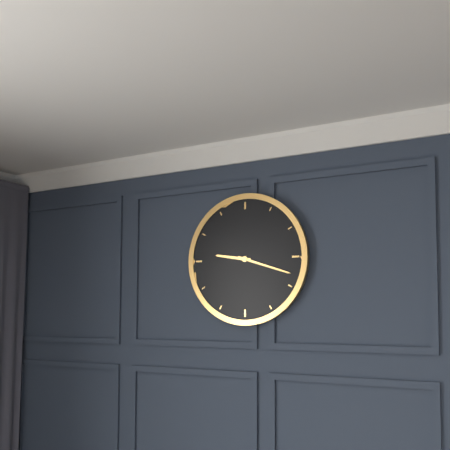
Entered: 9,18
